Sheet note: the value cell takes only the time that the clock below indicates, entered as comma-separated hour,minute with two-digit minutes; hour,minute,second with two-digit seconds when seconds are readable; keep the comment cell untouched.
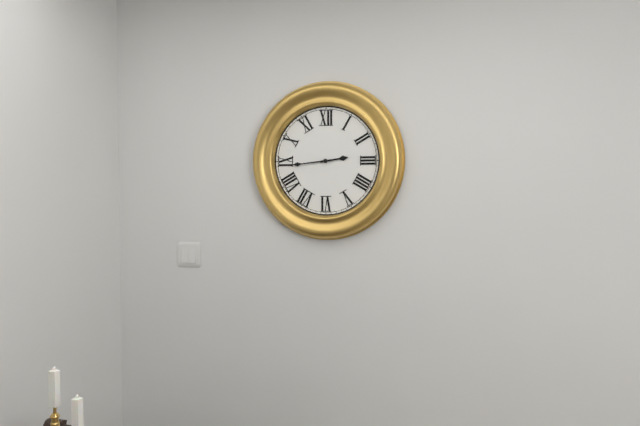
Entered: 2,44
